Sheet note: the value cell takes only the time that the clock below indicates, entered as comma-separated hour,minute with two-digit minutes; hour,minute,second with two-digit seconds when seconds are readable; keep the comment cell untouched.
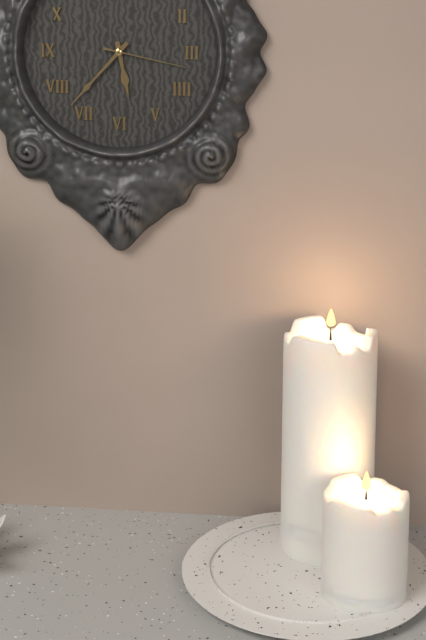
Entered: 5,37,17
